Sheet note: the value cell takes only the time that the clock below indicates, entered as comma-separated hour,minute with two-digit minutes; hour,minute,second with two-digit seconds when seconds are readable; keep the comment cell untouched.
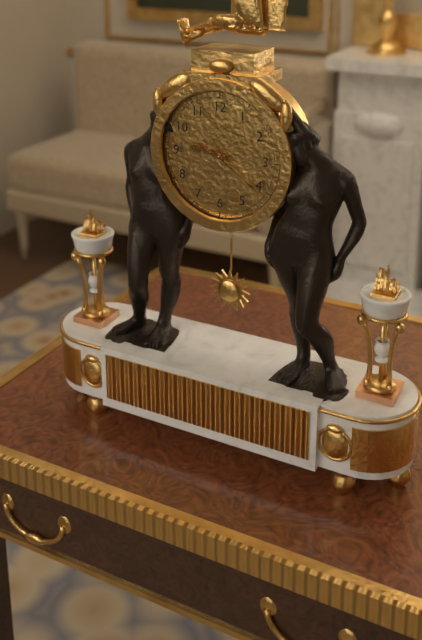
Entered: 9,21
